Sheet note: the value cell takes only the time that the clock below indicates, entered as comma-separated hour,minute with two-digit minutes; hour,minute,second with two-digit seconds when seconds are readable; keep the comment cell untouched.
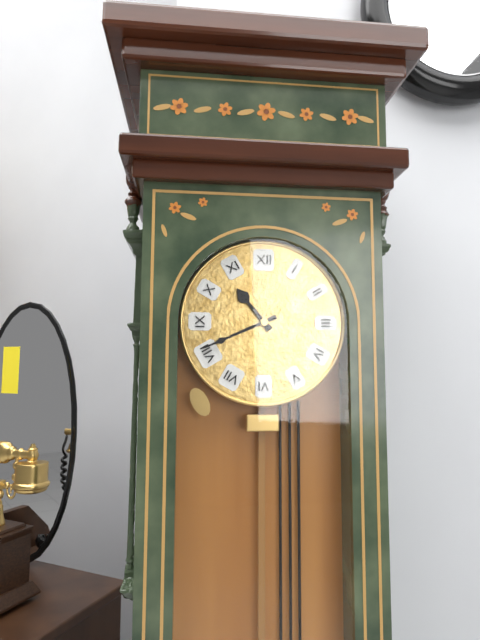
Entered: 10,41
